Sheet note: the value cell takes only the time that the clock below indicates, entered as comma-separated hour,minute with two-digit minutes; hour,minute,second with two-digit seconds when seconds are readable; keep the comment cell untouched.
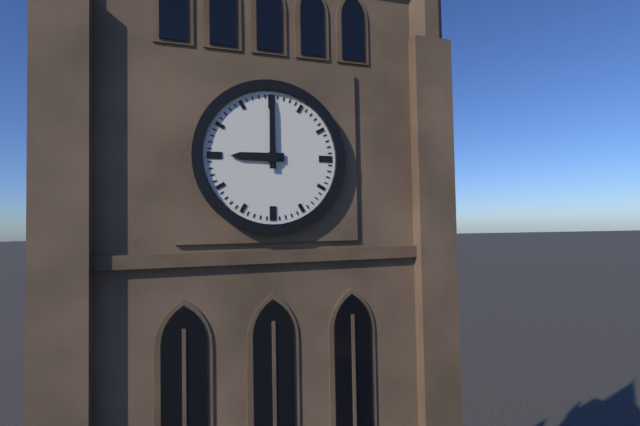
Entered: 9,00
